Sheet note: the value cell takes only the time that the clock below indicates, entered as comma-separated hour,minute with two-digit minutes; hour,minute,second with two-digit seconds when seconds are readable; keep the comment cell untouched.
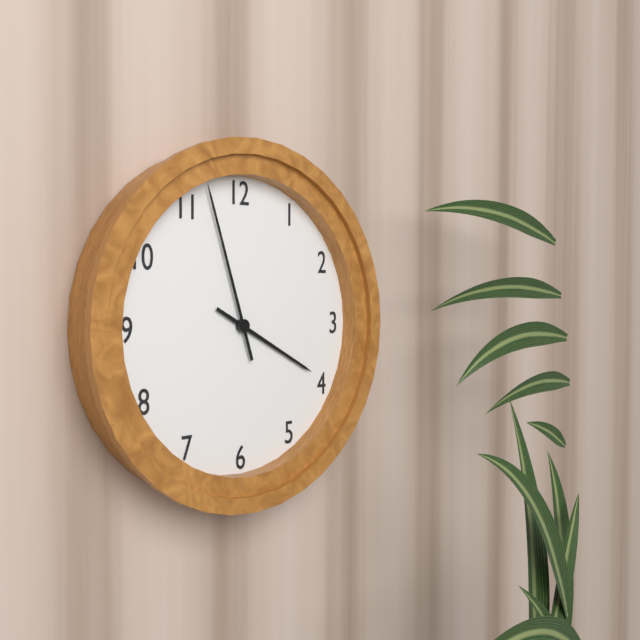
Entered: 3,57
